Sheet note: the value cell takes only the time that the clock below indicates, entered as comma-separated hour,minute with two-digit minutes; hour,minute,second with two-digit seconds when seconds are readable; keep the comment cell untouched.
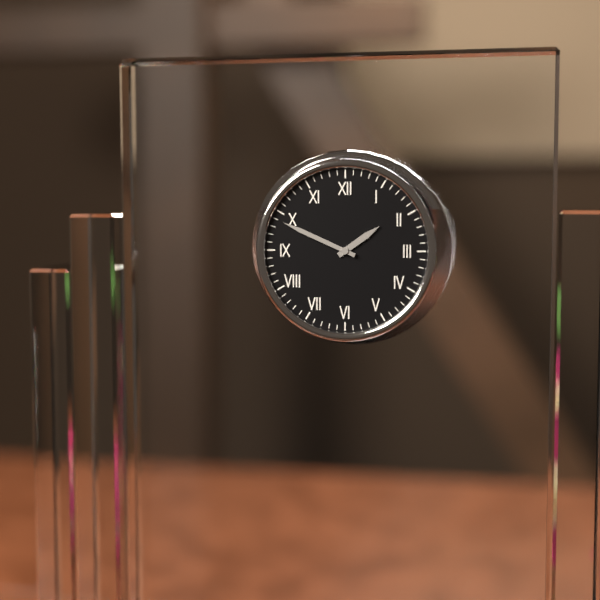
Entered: 1,49
